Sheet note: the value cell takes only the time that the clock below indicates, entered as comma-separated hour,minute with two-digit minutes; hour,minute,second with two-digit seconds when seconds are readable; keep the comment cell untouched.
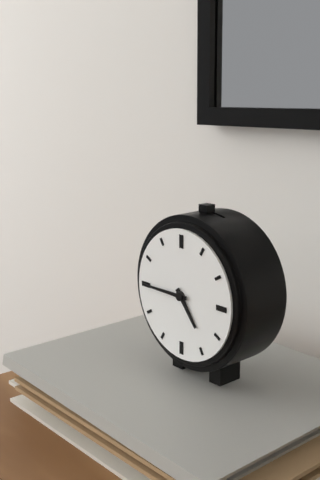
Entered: 4,45
